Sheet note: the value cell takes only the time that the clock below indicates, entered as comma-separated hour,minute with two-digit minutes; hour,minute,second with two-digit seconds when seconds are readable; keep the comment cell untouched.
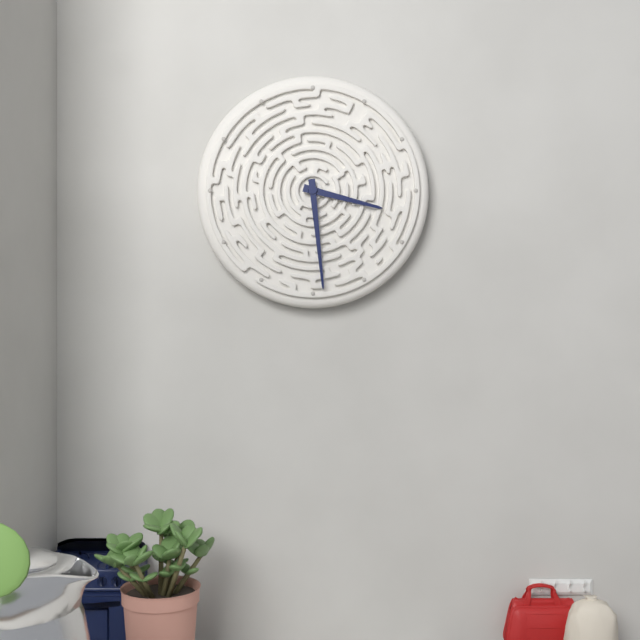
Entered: 3,29
